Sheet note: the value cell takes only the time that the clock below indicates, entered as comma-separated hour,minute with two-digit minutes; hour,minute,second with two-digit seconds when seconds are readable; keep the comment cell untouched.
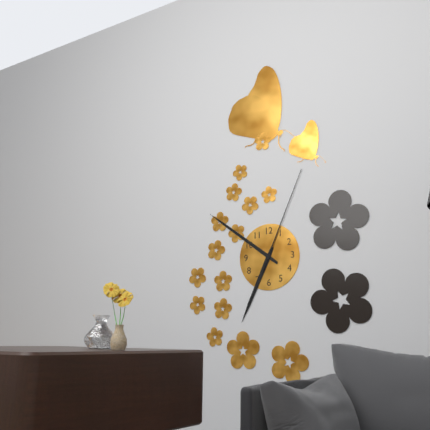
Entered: 6,51,04
